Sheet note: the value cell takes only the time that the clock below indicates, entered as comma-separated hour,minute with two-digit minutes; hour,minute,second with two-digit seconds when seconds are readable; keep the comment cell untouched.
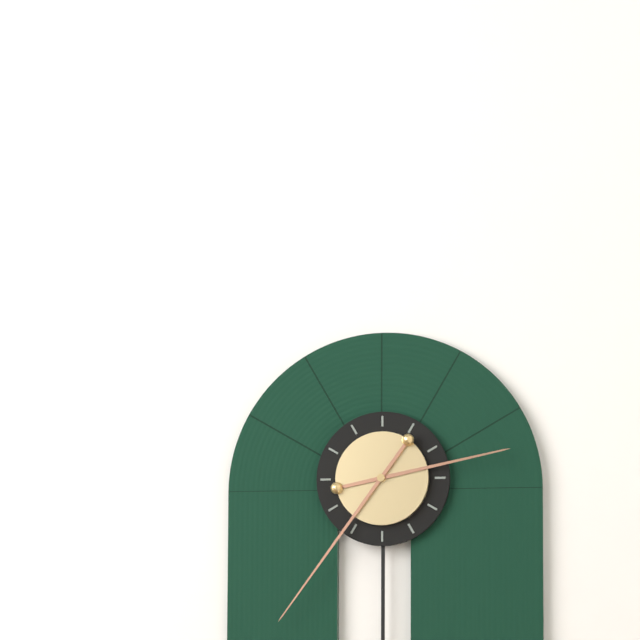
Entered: 2,36
